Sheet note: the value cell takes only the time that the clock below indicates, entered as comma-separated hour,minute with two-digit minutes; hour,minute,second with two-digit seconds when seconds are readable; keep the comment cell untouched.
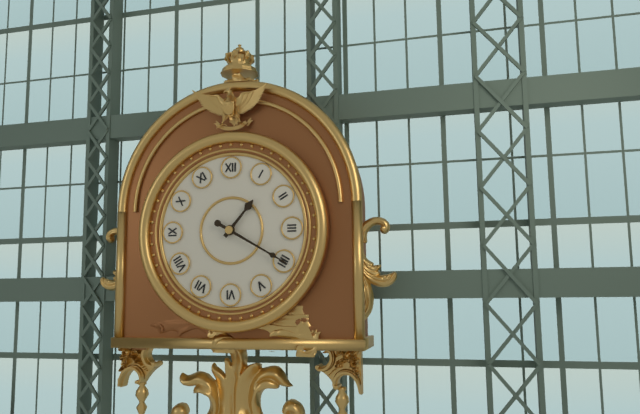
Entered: 1,20
